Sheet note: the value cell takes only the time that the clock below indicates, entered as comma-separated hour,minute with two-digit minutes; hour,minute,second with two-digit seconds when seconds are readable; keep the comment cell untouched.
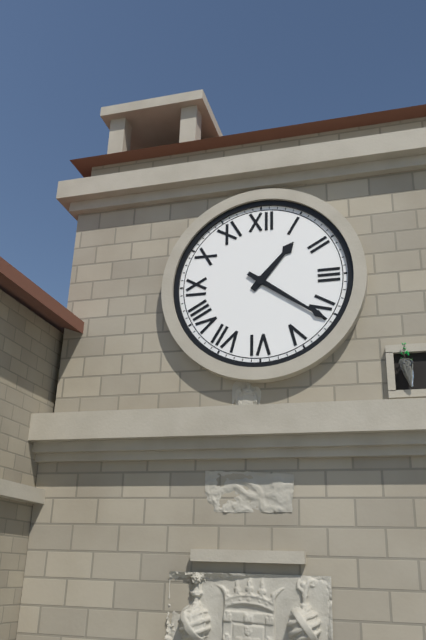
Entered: 1,21
